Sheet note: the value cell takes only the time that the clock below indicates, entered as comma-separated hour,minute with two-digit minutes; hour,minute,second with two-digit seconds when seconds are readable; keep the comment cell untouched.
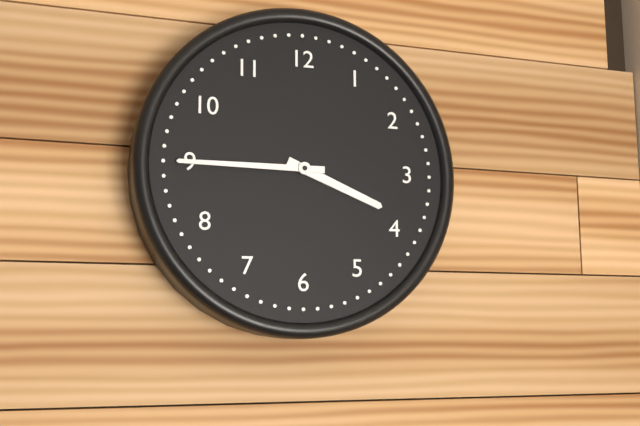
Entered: 3,45
